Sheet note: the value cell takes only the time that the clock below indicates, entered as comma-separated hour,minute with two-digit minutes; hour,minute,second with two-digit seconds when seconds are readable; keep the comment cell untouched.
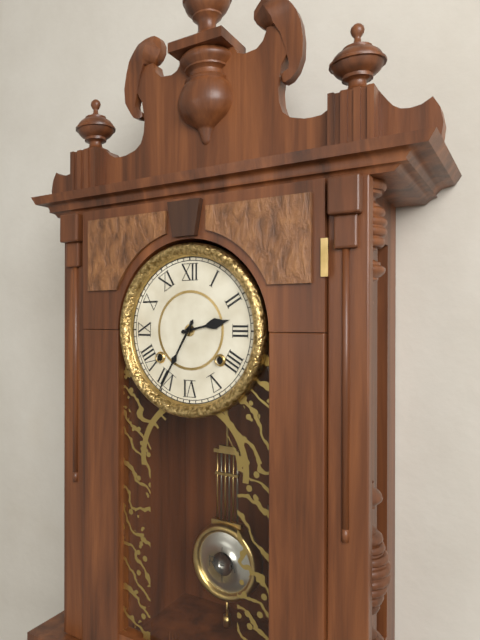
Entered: 2,35
